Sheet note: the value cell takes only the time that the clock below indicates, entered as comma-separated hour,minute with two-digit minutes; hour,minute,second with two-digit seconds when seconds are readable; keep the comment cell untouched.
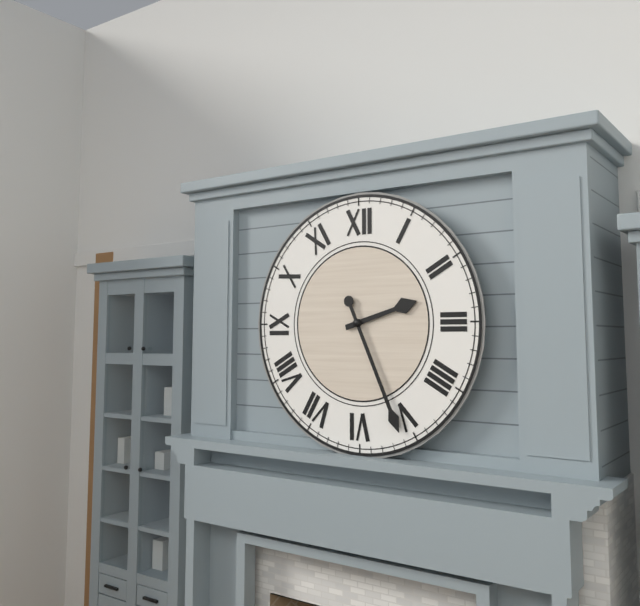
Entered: 2,26
